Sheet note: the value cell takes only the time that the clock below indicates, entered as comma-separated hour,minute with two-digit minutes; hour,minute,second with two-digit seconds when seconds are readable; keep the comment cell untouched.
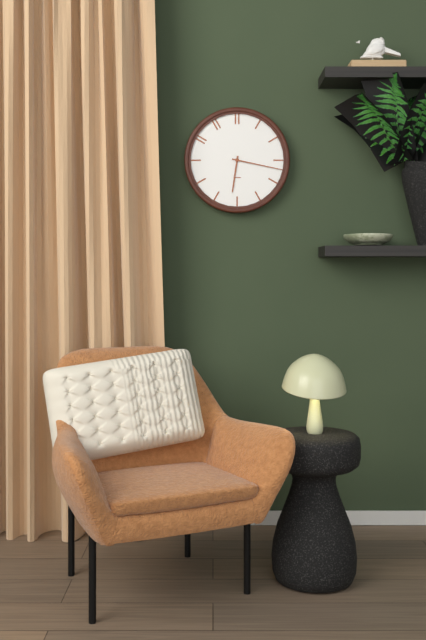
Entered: 6,17
